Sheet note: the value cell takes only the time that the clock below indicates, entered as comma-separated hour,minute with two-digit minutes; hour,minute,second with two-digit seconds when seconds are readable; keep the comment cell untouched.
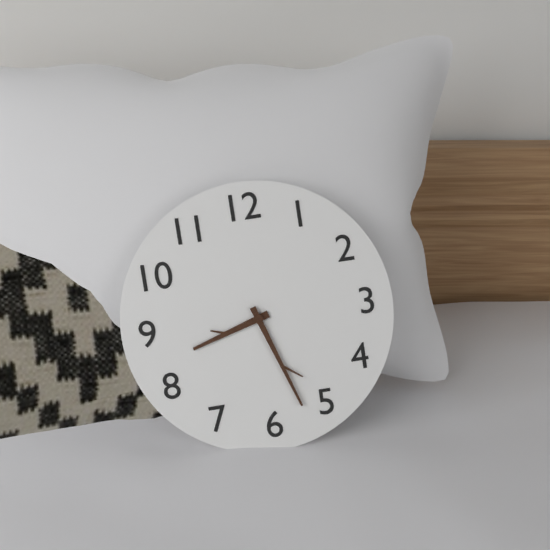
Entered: 8,27
